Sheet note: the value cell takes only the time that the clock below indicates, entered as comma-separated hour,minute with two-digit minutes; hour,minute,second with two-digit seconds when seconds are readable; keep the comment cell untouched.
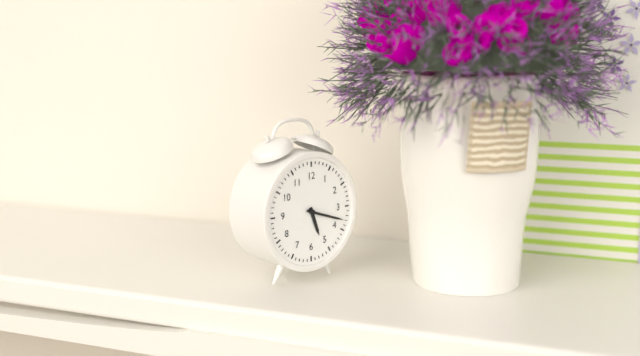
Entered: 5,18
